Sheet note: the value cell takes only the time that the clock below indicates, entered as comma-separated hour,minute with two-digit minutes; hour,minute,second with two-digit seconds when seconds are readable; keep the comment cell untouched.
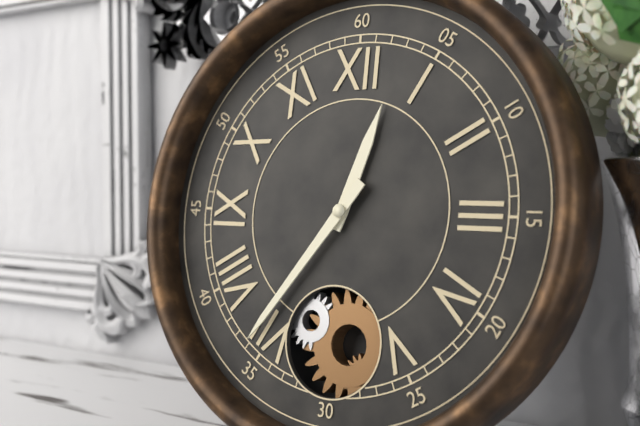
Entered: 12,36
